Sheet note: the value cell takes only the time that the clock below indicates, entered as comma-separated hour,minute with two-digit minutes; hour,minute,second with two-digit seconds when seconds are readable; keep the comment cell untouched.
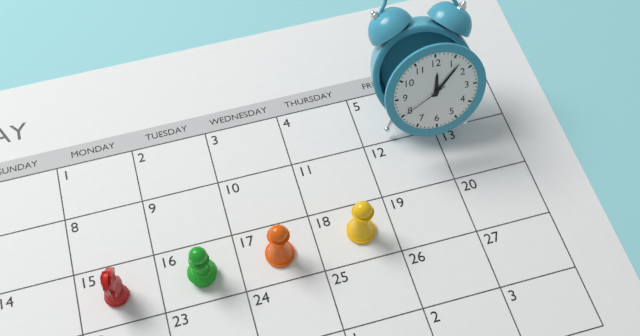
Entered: 12,07,40
